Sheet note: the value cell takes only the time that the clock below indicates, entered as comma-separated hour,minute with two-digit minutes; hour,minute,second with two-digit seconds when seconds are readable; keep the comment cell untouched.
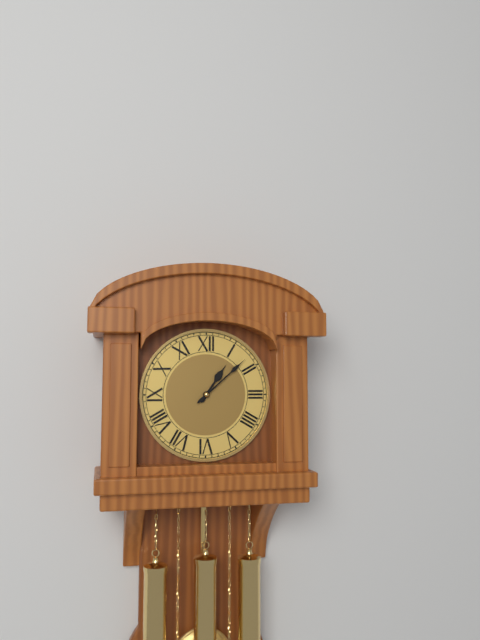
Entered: 1,08
